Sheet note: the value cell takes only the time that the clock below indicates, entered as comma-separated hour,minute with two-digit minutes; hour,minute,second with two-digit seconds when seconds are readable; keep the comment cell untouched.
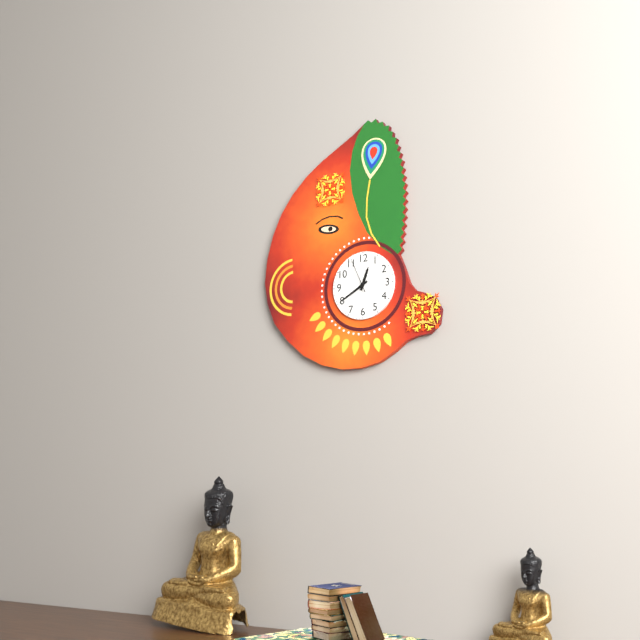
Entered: 12,40
